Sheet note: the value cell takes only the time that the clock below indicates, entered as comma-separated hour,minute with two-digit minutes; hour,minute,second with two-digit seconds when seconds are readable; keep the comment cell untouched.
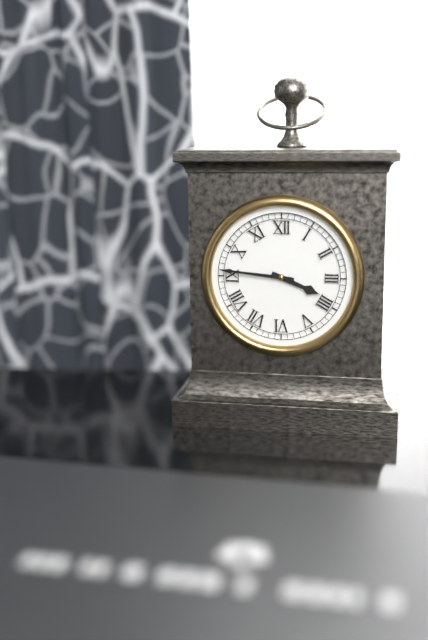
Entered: 3,46
